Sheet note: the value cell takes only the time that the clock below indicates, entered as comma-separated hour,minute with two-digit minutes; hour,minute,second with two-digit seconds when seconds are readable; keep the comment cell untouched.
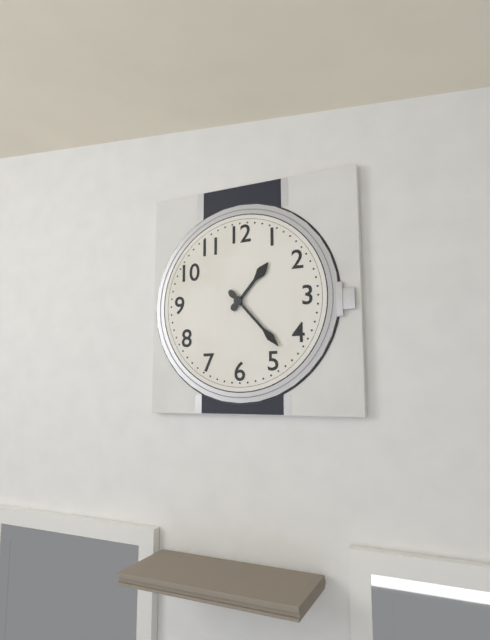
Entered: 1,23
